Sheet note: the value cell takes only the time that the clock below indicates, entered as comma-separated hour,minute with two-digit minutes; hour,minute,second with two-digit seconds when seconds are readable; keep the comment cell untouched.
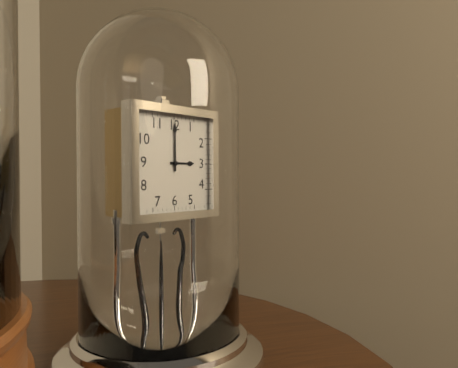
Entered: 3,00
